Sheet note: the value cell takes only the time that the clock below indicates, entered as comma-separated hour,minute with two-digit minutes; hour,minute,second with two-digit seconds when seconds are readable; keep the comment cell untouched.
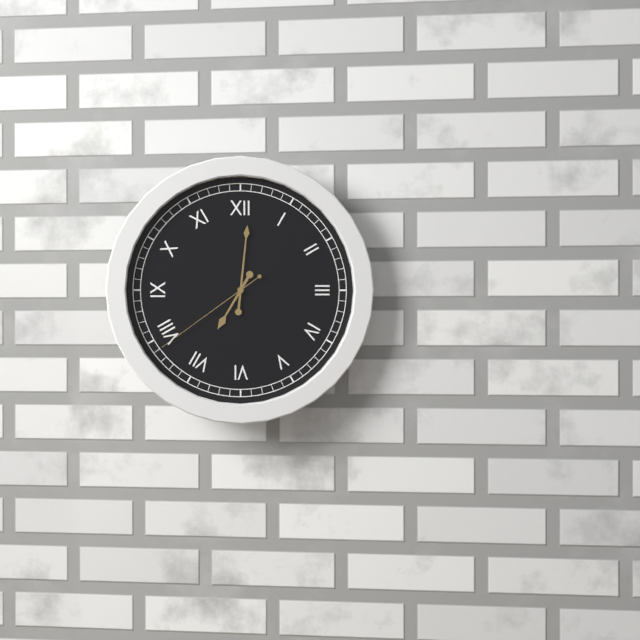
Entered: 7,01,39
